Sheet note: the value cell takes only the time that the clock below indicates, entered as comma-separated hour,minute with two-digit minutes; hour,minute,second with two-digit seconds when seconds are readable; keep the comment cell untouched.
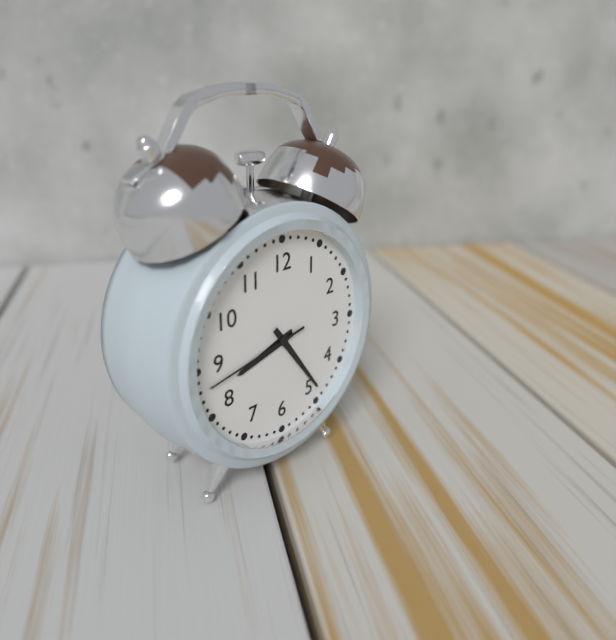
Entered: 8,24,43
